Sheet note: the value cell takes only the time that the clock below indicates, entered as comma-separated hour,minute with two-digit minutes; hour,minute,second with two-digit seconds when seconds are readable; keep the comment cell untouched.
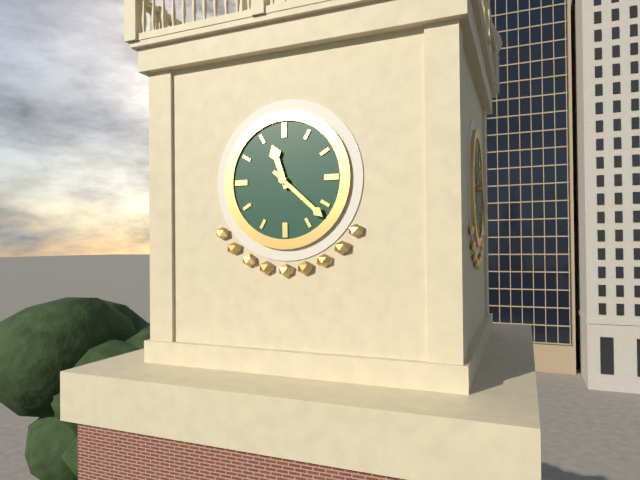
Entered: 11,22
